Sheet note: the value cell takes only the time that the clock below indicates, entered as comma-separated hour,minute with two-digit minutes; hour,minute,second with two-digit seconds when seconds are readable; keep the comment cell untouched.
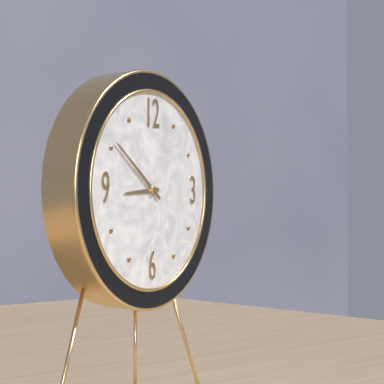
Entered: 8,51
